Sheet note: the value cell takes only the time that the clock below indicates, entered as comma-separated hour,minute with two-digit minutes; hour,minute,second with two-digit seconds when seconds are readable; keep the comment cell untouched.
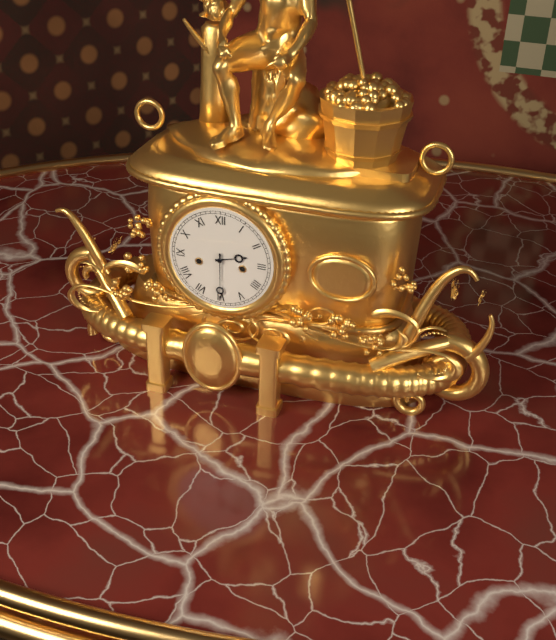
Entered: 2,30
